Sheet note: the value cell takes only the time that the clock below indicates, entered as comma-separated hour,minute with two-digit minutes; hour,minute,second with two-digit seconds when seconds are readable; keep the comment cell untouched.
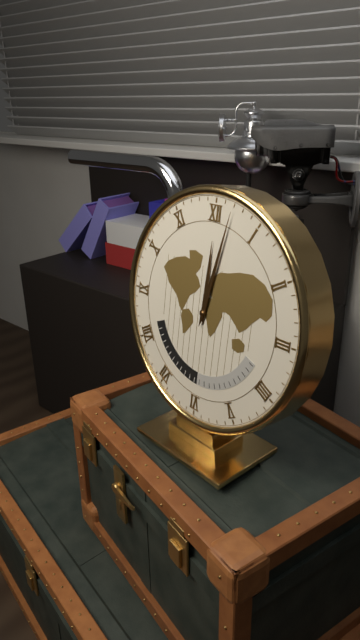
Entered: 12,02
